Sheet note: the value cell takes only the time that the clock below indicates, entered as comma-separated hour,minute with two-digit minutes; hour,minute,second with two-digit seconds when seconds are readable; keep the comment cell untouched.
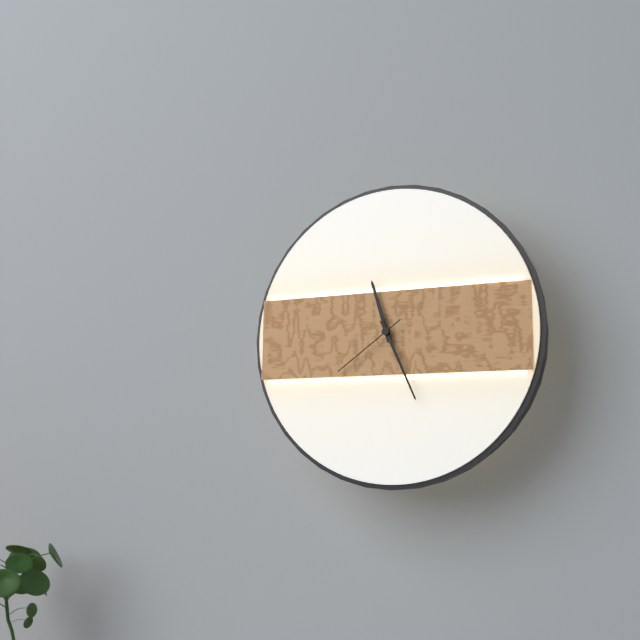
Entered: 11,26,39
